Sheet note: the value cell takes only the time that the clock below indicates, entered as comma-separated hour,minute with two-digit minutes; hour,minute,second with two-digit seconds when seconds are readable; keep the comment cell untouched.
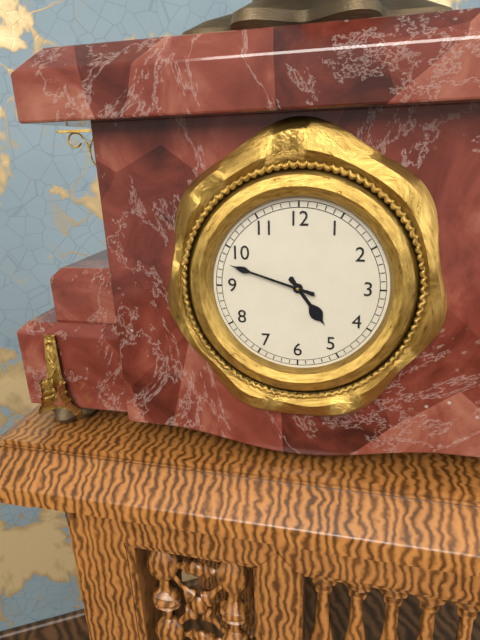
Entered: 4,48
